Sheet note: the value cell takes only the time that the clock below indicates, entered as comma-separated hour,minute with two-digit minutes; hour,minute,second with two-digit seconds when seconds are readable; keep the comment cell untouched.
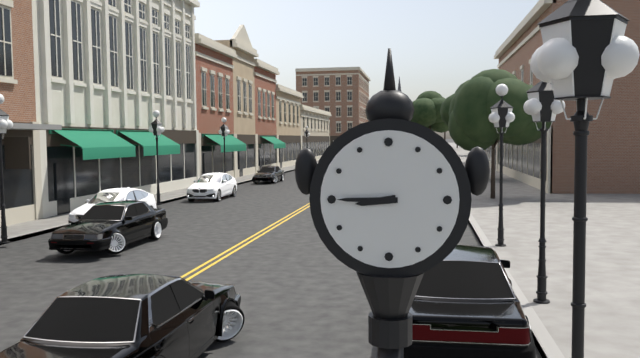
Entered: 8,45
